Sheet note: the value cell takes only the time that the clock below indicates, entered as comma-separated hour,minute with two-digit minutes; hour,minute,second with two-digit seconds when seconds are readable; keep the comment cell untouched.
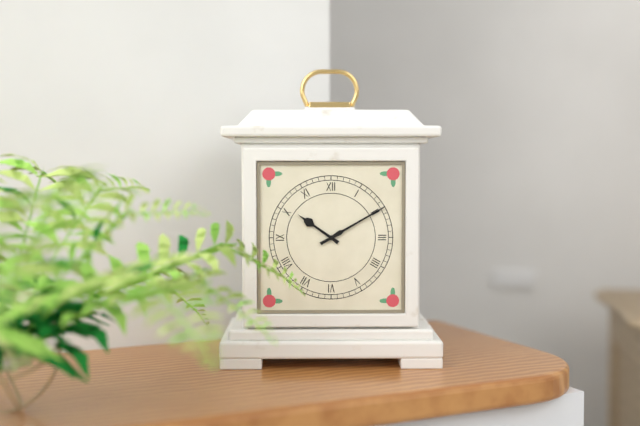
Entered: 10,10
